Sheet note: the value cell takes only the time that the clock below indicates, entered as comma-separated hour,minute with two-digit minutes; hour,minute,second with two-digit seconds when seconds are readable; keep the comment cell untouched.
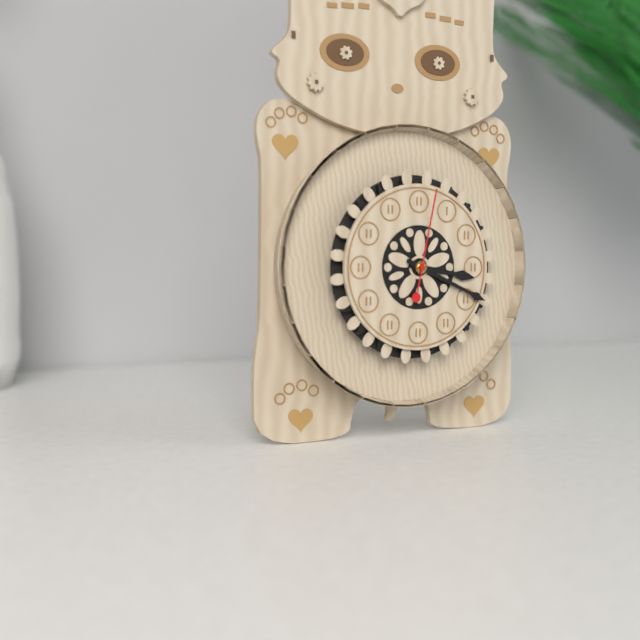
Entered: 3,19,02
